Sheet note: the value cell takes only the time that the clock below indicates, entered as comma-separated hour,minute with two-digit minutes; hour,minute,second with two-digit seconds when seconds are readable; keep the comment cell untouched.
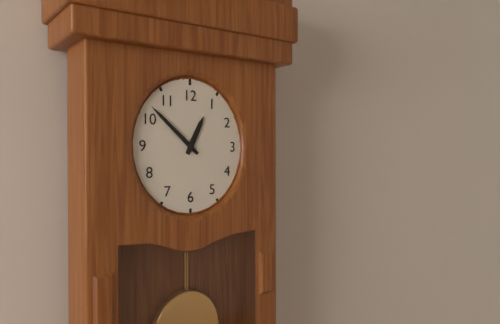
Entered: 12,52
